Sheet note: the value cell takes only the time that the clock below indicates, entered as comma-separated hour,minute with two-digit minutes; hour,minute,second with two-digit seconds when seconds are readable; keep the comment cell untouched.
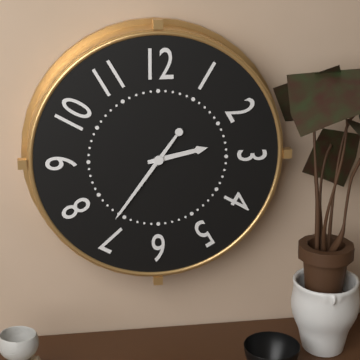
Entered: 2,36
